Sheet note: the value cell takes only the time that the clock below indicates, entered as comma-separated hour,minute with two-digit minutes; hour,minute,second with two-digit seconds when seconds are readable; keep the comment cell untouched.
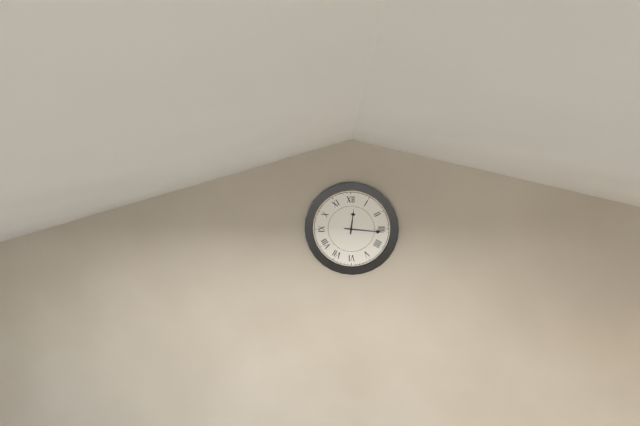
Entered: 12,16
